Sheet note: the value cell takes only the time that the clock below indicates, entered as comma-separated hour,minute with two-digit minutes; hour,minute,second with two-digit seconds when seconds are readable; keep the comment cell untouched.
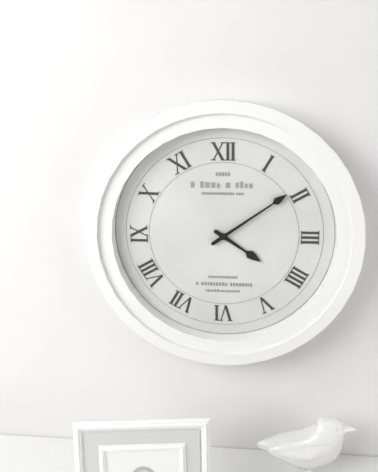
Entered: 4,09
